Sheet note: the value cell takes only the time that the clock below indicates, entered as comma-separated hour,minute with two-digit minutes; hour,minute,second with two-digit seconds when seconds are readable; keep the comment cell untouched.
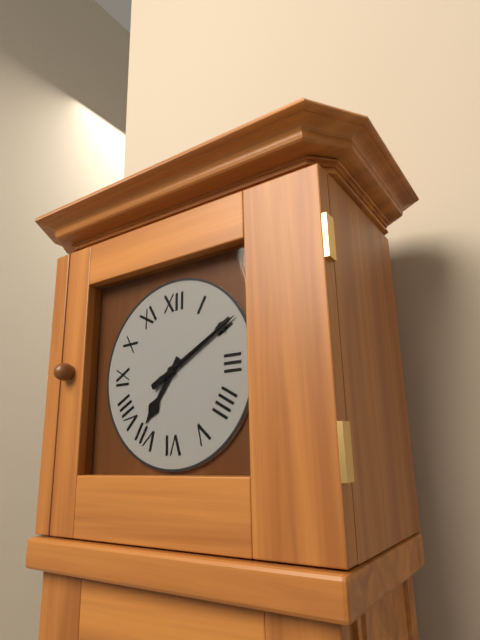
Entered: 7,10,10
